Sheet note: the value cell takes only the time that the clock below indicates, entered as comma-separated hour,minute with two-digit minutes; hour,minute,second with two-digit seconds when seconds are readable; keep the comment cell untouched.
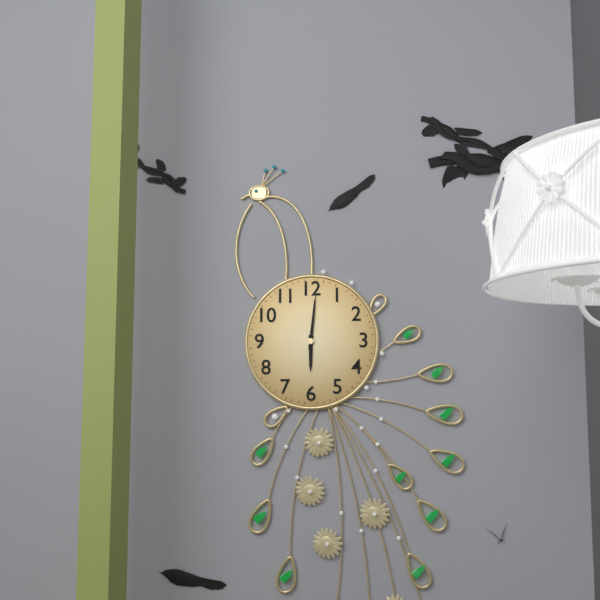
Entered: 6,01
